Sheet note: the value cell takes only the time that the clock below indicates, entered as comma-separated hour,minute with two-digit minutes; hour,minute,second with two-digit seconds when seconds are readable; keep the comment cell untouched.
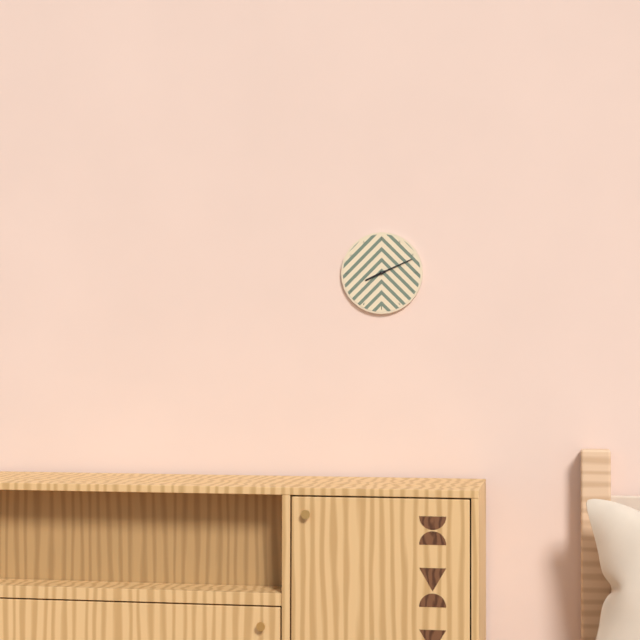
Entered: 8,11
